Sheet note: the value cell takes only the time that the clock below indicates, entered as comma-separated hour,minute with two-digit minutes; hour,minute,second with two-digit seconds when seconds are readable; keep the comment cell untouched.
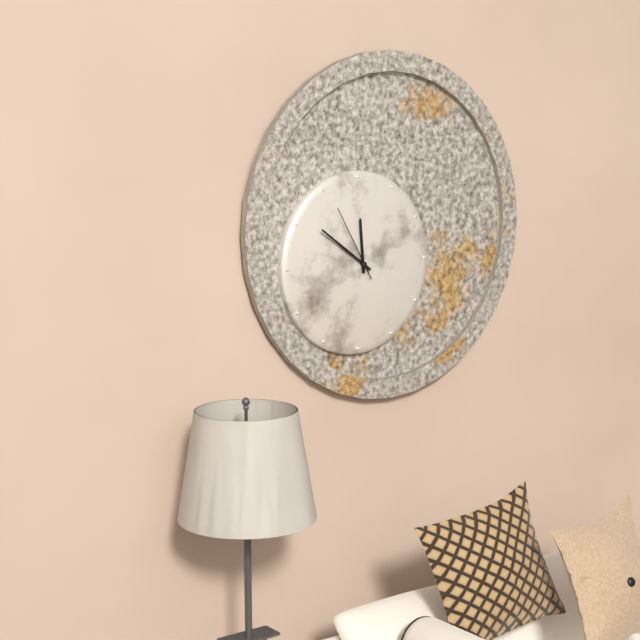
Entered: 11,51,55
